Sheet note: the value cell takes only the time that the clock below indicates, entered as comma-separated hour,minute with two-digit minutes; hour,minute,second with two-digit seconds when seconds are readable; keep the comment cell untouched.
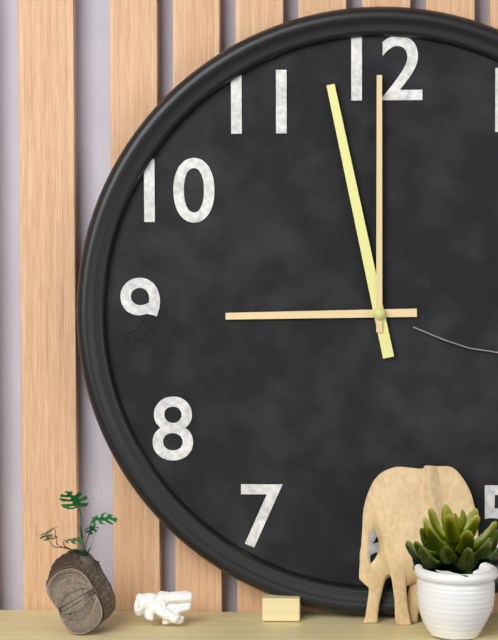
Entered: 8,58,00
